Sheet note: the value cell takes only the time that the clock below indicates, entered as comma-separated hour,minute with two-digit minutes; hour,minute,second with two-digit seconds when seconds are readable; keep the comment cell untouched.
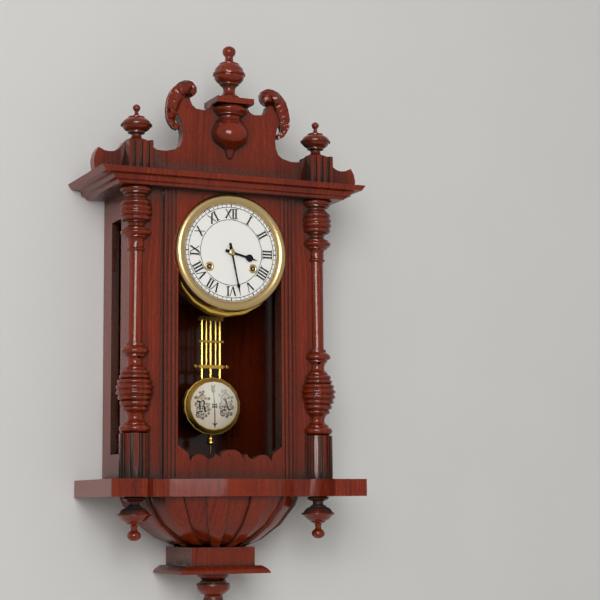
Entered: 3,28
